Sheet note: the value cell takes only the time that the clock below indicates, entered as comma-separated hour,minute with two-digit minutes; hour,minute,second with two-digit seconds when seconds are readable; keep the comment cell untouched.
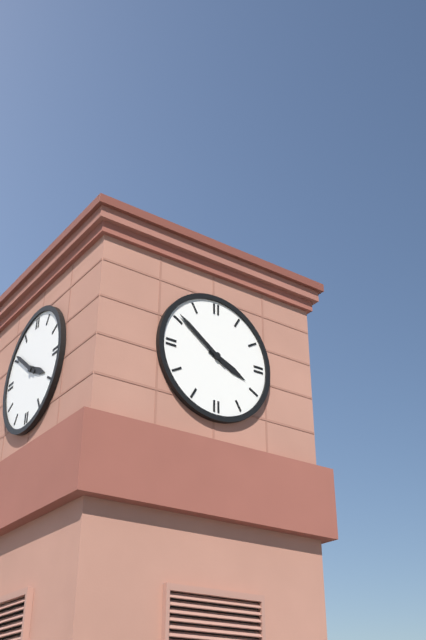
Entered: 3,51
